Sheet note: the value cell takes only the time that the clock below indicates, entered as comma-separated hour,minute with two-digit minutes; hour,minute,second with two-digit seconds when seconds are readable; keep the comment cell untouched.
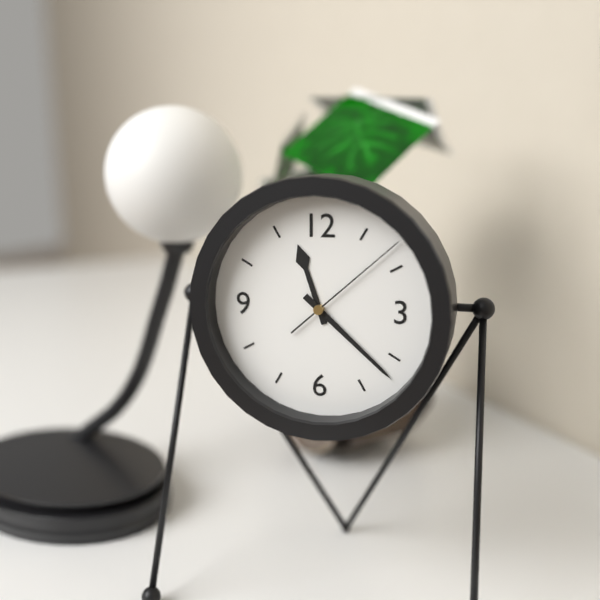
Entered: 11,22,08
